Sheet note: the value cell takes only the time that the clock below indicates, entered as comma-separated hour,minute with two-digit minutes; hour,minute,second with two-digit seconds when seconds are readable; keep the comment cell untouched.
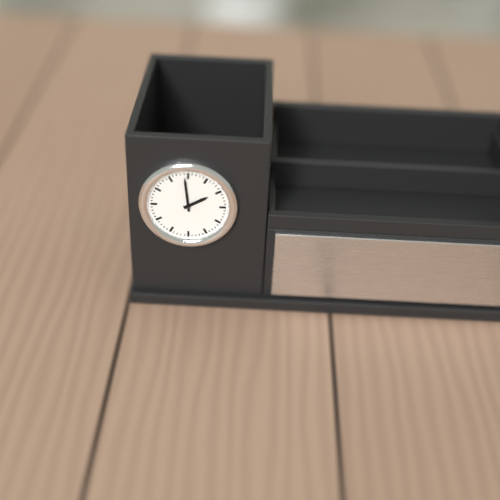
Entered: 1,59
